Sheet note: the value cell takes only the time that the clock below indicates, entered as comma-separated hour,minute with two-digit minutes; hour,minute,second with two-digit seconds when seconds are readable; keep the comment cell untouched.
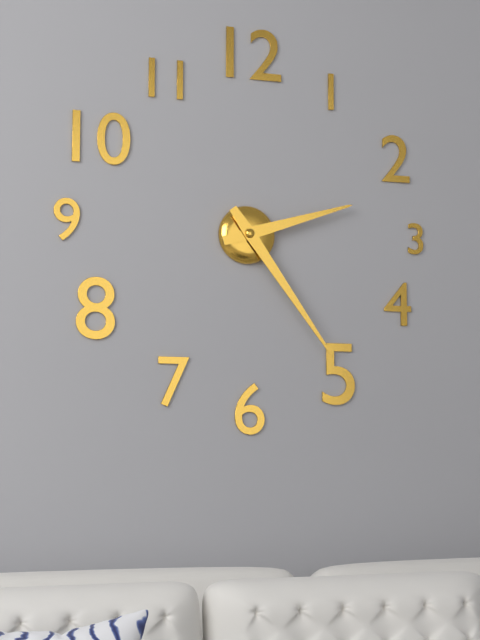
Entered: 2,24
